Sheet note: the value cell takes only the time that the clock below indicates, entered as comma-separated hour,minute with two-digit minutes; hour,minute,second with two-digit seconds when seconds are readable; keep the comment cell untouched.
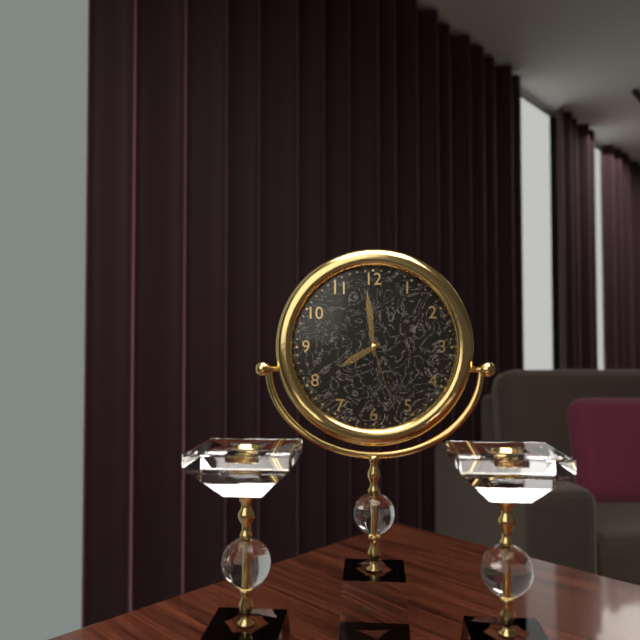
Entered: 7,59,27
